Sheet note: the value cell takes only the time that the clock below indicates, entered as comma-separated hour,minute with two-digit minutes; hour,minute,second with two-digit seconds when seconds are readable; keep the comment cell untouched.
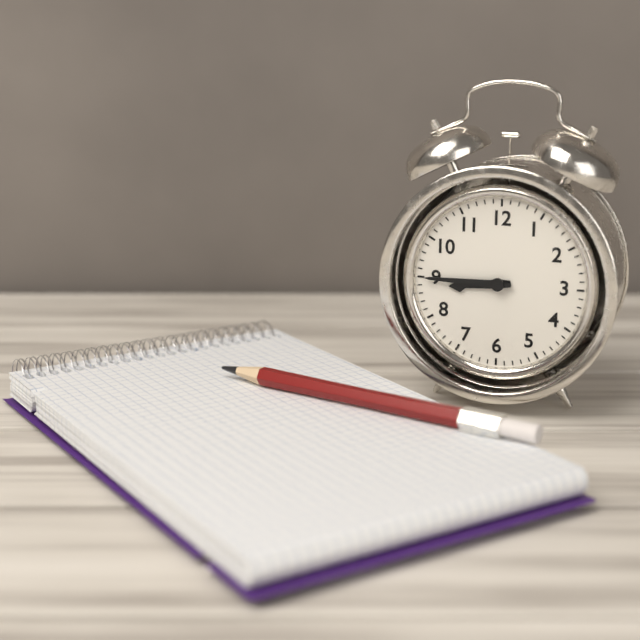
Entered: 8,45
